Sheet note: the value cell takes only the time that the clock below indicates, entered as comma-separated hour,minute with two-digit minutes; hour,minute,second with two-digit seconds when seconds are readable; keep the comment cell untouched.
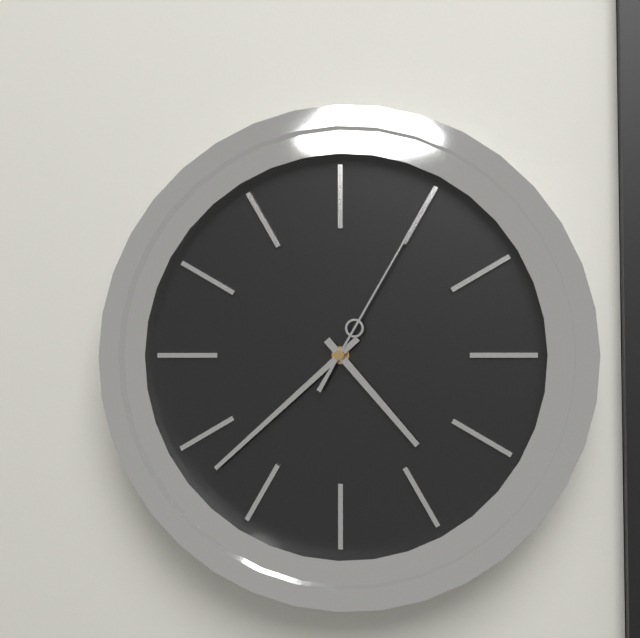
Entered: 4,38,05
